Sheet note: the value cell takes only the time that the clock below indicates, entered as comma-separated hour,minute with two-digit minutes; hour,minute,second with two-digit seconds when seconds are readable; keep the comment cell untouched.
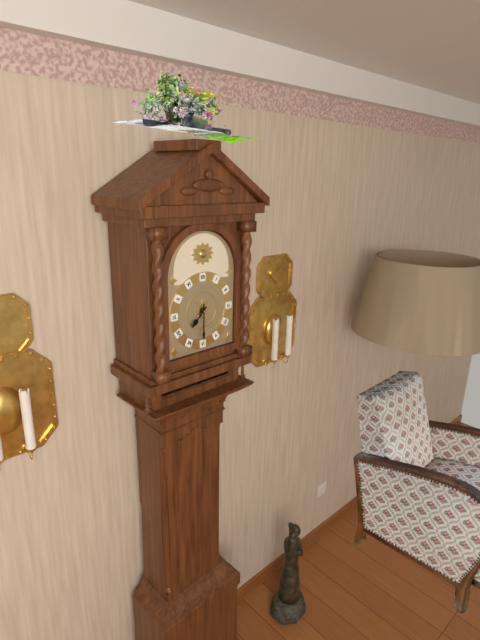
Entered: 7,30
